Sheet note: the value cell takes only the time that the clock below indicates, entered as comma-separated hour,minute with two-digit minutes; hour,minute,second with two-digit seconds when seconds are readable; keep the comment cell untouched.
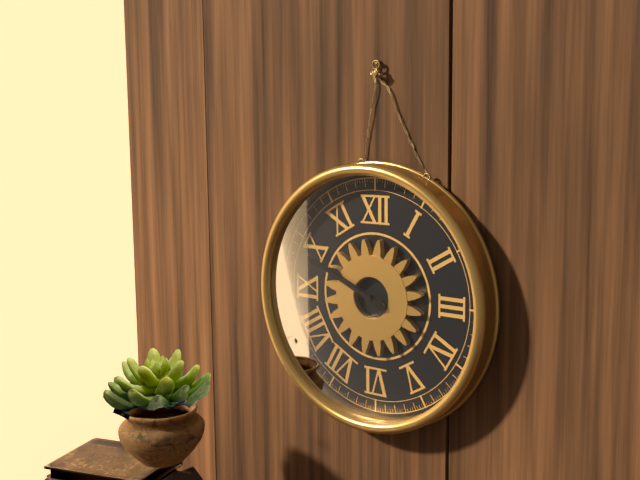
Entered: 9,49
